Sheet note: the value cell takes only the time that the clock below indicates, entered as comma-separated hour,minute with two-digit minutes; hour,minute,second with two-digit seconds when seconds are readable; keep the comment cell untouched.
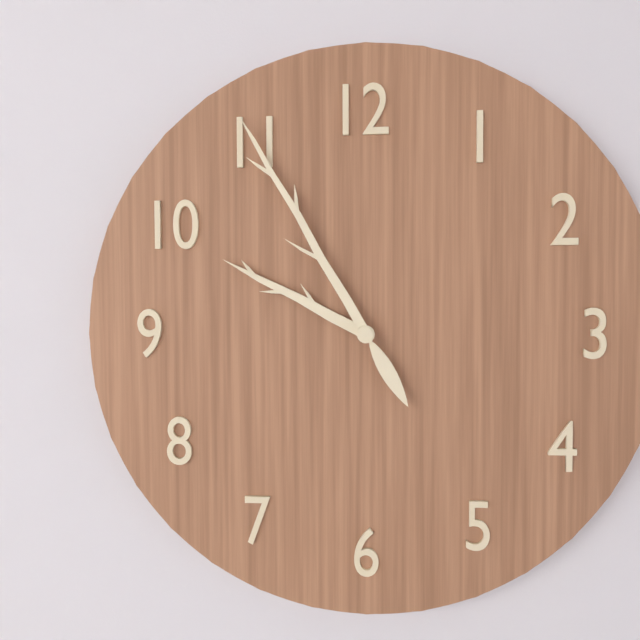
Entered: 9,55
